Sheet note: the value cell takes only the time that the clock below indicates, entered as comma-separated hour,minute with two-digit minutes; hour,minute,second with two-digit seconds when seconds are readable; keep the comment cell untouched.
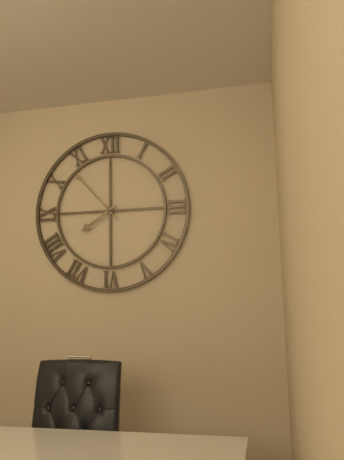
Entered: 7,53
